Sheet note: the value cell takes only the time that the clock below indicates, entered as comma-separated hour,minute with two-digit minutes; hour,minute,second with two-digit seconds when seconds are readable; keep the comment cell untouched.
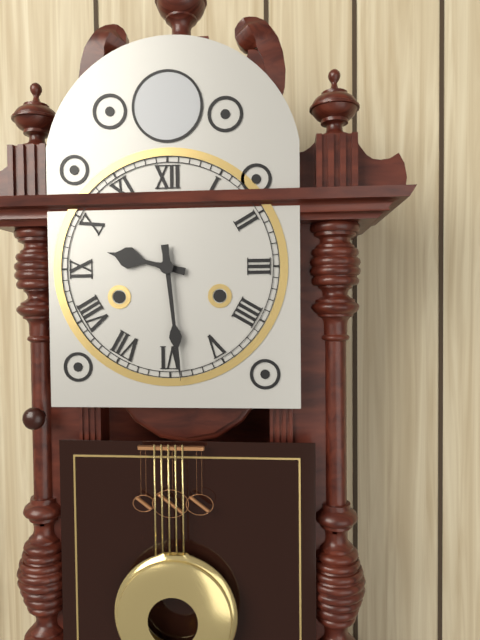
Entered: 9,29
